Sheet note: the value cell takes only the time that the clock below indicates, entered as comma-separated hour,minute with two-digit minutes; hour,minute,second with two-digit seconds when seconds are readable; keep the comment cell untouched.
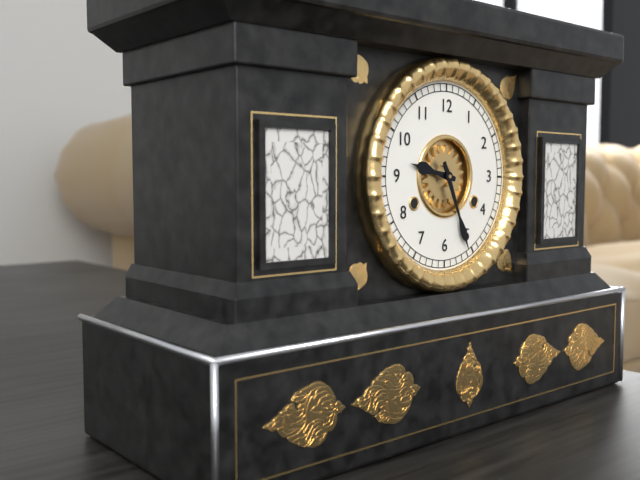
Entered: 9,26
